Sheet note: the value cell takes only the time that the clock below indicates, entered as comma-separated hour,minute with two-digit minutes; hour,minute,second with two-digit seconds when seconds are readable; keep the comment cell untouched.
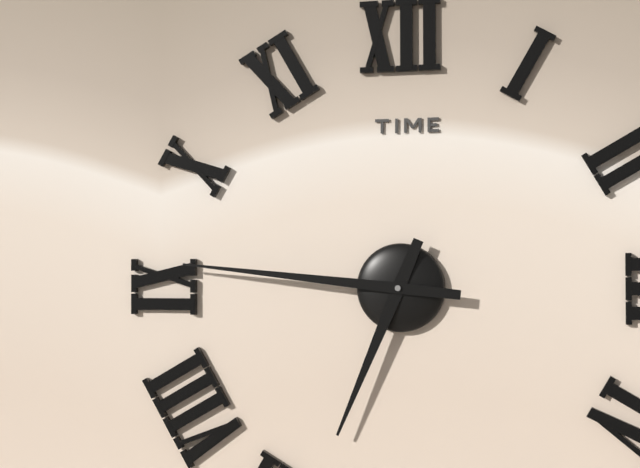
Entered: 6,46
